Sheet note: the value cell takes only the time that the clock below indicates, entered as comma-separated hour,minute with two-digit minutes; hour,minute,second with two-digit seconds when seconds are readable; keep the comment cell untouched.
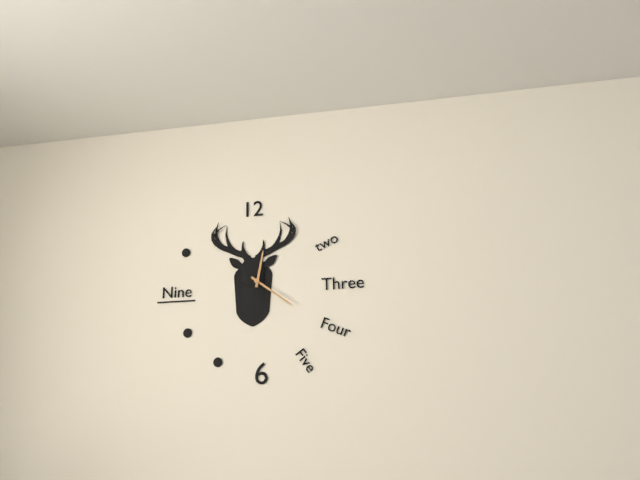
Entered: 12,21
